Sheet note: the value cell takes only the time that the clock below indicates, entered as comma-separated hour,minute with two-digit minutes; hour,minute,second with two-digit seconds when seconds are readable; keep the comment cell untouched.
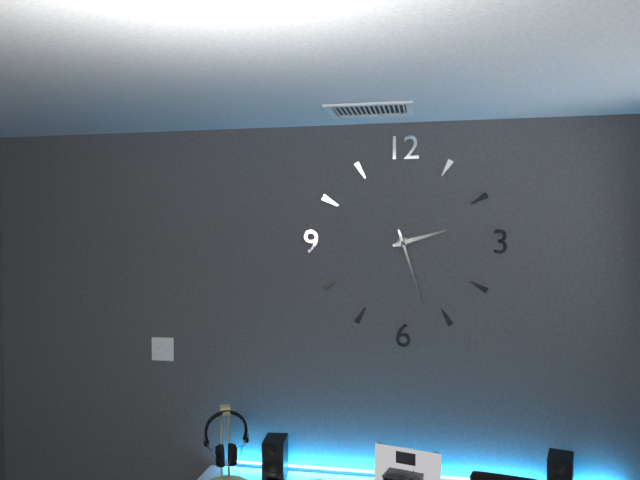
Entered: 2,27
